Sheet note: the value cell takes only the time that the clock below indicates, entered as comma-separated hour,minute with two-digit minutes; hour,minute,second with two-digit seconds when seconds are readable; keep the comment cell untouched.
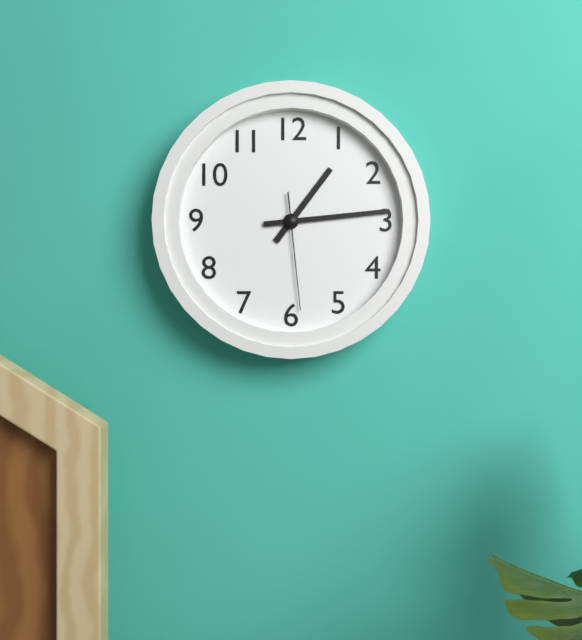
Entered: 1,14,29
